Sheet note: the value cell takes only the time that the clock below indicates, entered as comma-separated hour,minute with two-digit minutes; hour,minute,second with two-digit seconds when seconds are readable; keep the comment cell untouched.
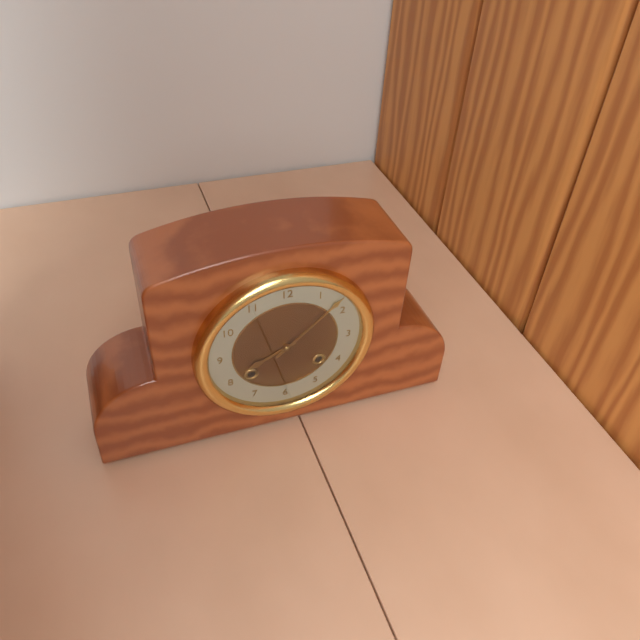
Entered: 8,08
